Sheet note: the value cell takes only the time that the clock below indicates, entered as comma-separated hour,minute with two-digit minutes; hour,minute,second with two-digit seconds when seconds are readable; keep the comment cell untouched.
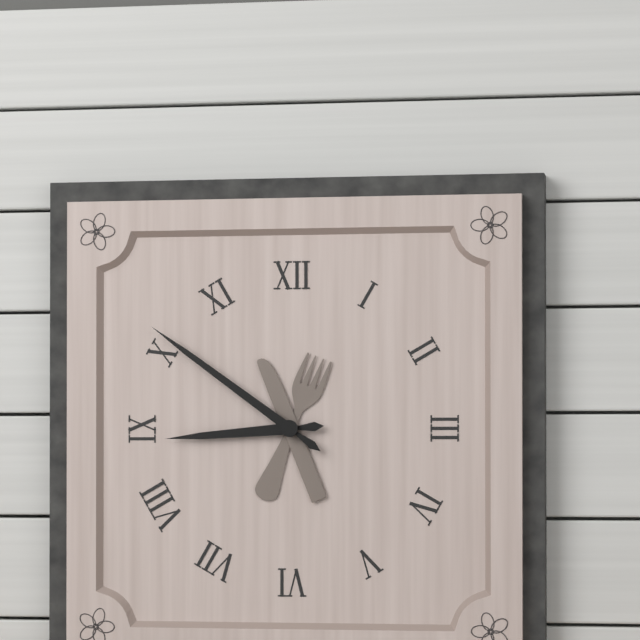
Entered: 8,51
